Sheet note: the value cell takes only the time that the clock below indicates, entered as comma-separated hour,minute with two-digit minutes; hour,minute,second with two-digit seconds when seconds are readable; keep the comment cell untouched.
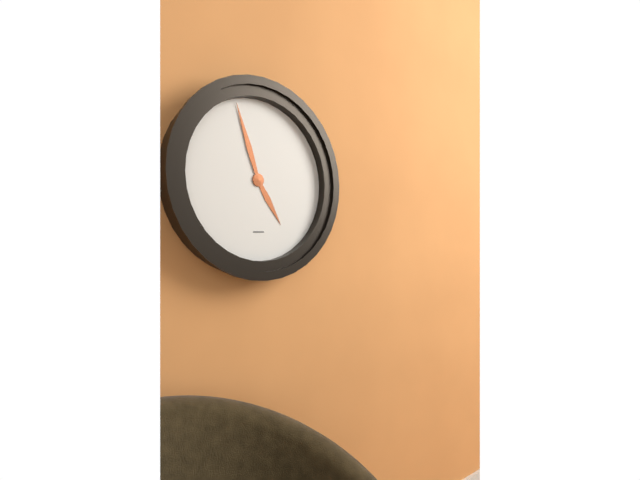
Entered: 4,57
